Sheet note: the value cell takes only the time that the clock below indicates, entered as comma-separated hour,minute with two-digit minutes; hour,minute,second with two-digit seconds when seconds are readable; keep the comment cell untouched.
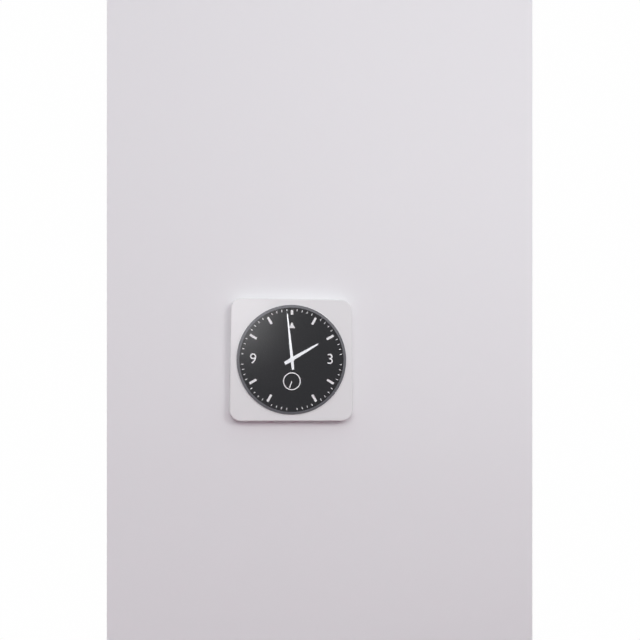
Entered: 1,59
